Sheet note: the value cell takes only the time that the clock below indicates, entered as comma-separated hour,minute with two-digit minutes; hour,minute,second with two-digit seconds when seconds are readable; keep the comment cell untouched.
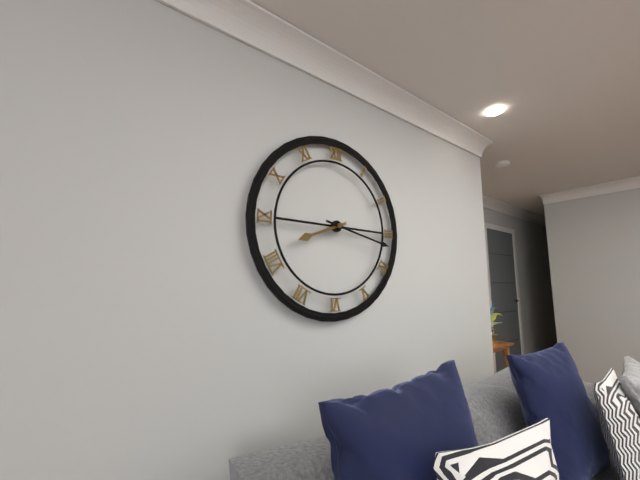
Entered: 8,17
